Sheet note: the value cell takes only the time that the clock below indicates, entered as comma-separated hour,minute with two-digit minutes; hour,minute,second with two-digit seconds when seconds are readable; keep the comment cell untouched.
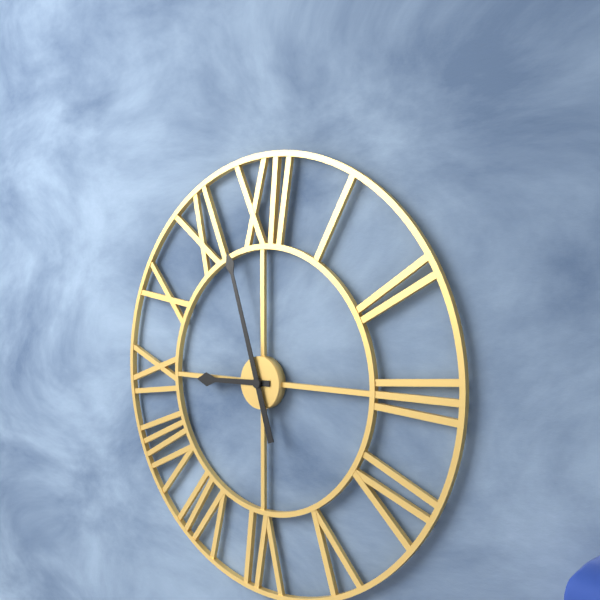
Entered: 8,57
